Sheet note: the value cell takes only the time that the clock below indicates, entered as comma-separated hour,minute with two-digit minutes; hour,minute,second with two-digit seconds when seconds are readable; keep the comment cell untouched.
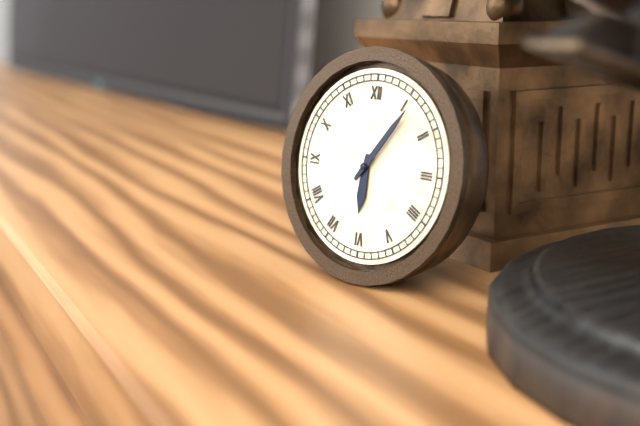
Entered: 6,06
